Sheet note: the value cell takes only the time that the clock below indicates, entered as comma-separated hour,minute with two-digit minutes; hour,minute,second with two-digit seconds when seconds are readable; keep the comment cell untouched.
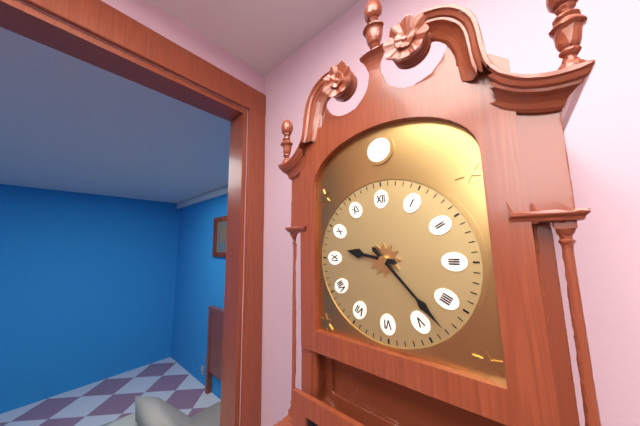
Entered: 9,23
